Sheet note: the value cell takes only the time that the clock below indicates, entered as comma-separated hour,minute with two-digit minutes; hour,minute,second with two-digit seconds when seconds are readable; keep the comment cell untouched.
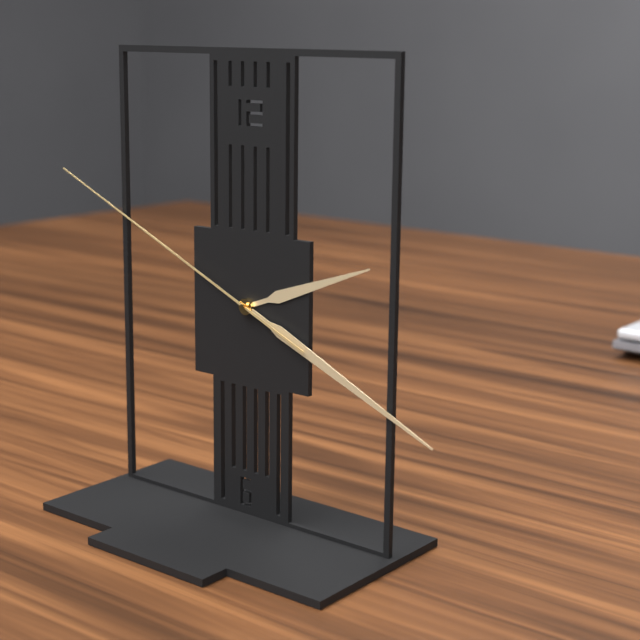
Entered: 2,19,49
